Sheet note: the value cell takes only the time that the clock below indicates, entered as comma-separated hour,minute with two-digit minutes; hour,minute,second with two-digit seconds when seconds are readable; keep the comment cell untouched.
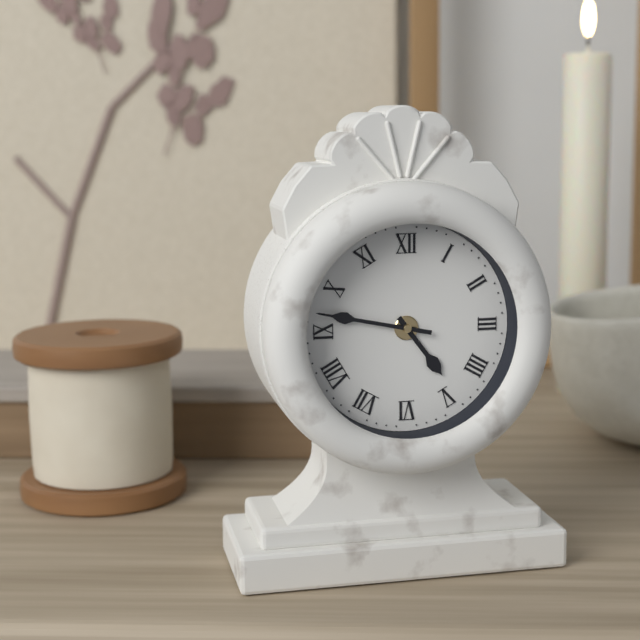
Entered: 4,47
